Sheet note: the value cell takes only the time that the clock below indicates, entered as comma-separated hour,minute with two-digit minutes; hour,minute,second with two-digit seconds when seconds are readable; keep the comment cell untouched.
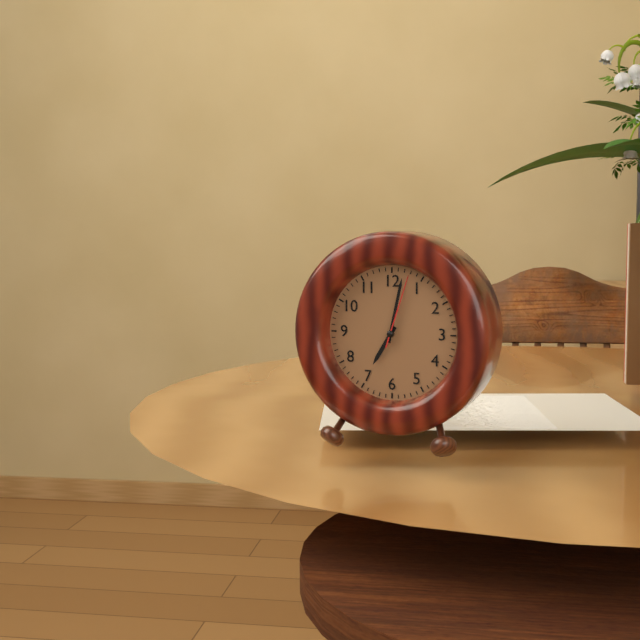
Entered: 7,02,03
